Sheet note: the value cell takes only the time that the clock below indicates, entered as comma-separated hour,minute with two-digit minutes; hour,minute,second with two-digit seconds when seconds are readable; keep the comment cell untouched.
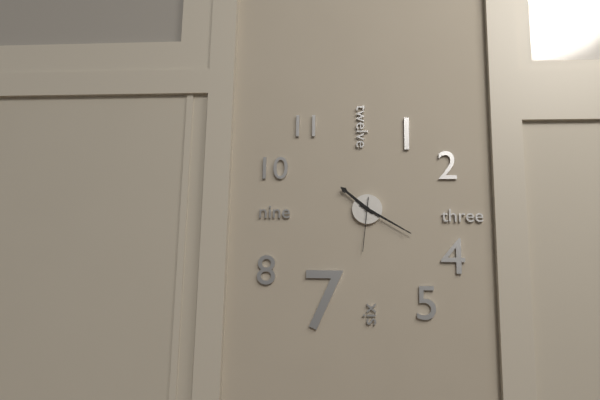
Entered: 10,20,31
